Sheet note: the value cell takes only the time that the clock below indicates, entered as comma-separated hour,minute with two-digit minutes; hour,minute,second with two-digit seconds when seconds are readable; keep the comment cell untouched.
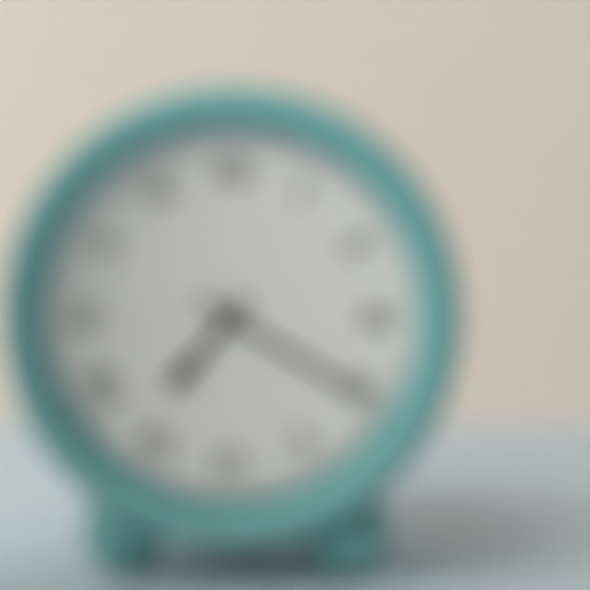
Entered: 7,20
